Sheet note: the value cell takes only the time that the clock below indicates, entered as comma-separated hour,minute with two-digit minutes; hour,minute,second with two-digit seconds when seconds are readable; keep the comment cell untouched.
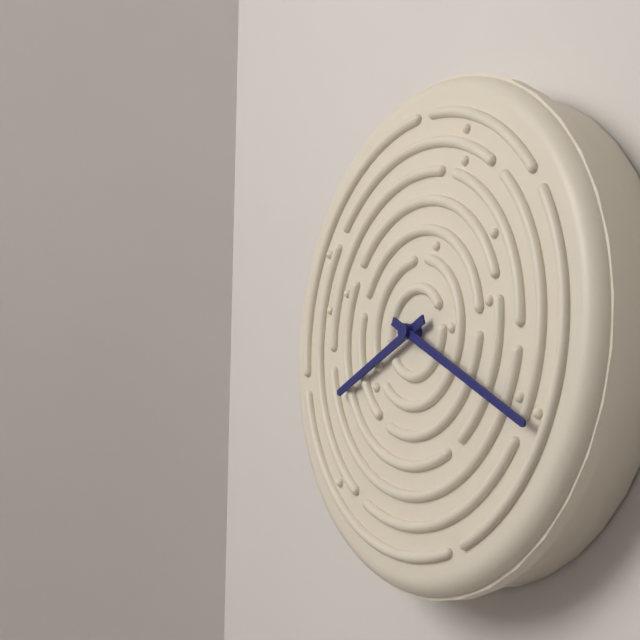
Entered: 8,20
